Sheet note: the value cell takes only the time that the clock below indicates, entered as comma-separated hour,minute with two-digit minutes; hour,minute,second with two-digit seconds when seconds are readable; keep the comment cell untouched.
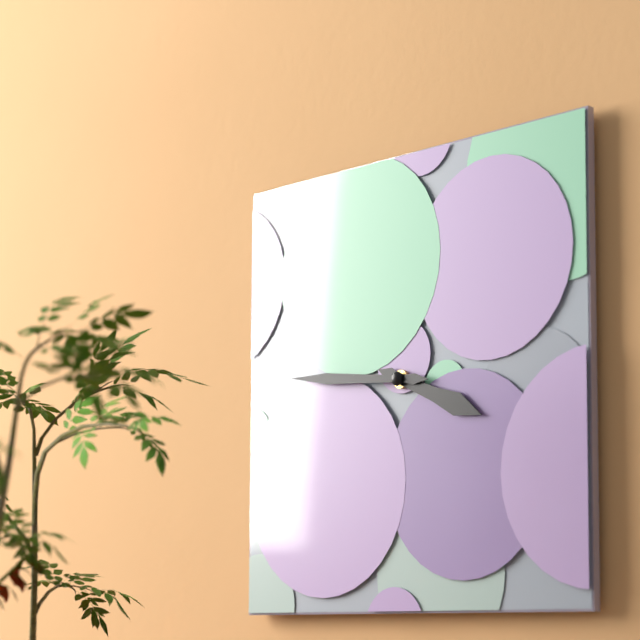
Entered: 3,46
